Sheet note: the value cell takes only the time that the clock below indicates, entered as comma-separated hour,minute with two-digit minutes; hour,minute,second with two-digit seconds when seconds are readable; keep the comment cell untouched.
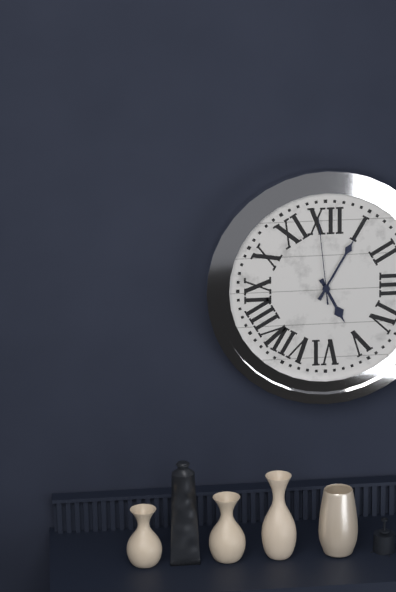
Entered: 5,05,59
